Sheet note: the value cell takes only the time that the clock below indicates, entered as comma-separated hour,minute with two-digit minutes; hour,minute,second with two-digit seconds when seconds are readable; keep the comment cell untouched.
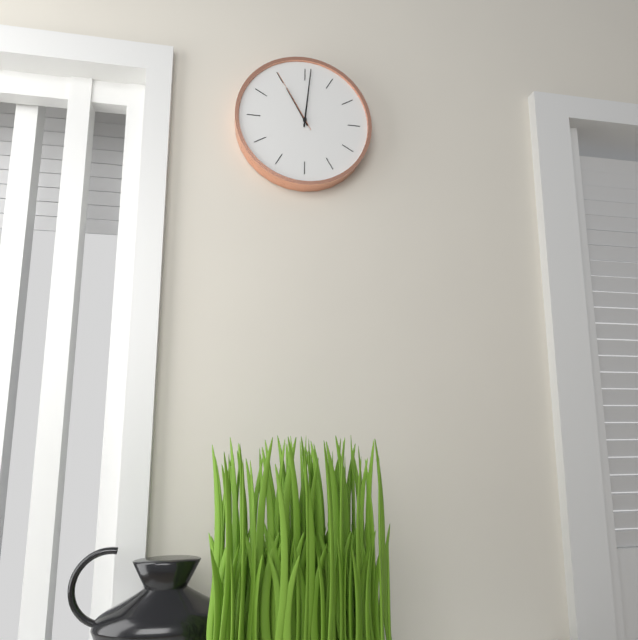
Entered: 11,01,55
